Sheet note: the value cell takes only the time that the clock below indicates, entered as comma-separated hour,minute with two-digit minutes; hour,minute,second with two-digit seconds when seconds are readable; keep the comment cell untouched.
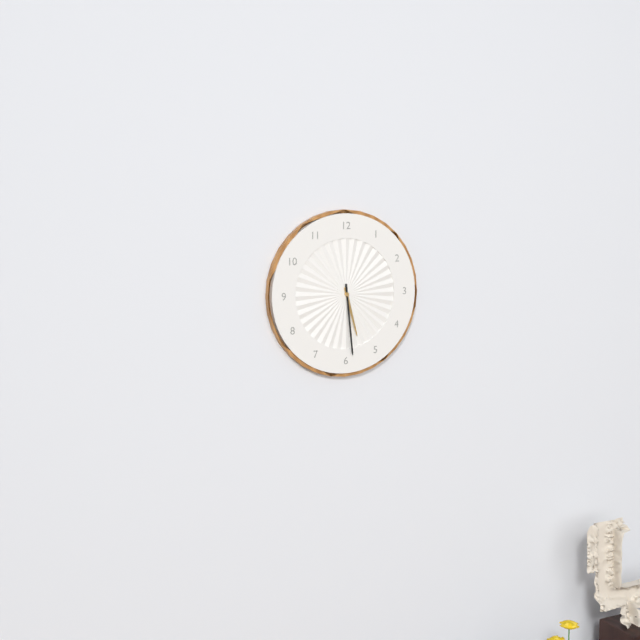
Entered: 5,29
